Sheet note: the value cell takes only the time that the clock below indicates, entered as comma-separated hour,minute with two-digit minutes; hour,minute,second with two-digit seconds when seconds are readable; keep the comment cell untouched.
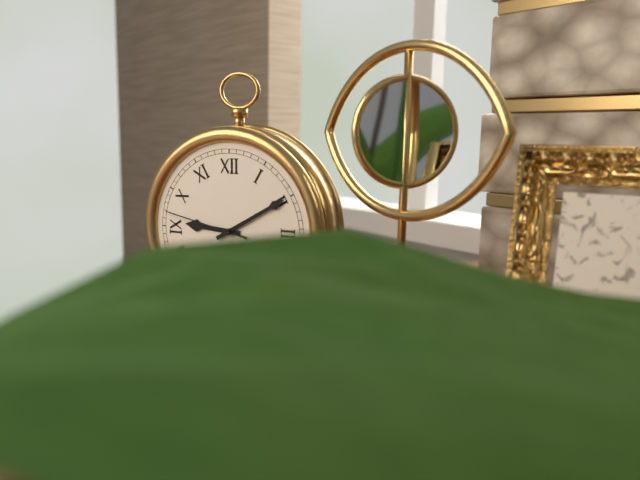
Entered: 9,10,47
